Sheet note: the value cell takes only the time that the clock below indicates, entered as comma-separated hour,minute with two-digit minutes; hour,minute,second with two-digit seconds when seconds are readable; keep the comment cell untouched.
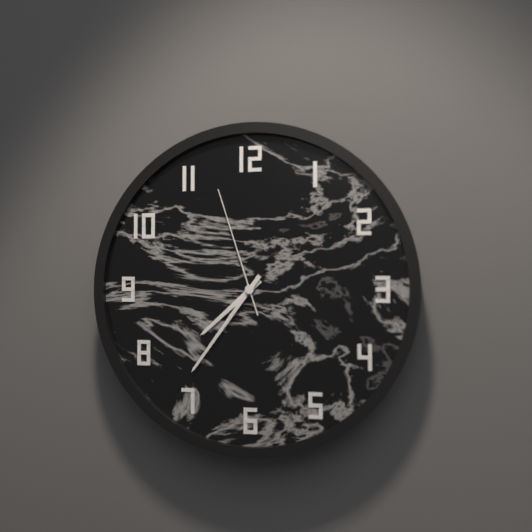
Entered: 7,36,57
